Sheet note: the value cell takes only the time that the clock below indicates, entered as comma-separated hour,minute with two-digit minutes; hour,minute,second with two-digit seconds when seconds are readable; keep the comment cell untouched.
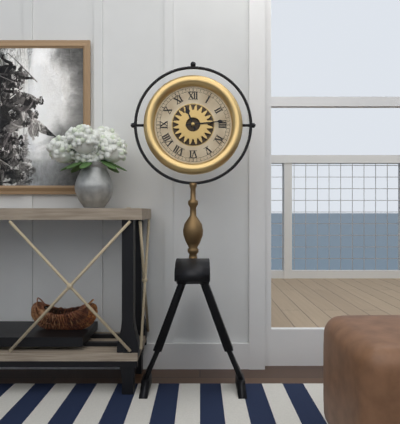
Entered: 11,14
